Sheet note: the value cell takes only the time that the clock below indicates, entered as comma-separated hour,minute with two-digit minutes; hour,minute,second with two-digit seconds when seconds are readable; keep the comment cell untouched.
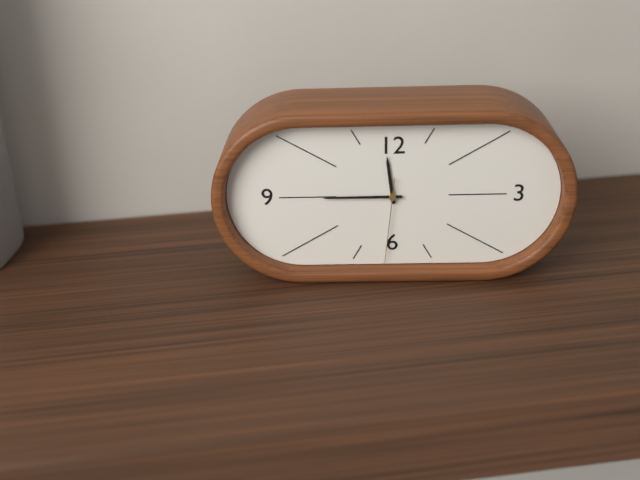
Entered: 11,45,31
